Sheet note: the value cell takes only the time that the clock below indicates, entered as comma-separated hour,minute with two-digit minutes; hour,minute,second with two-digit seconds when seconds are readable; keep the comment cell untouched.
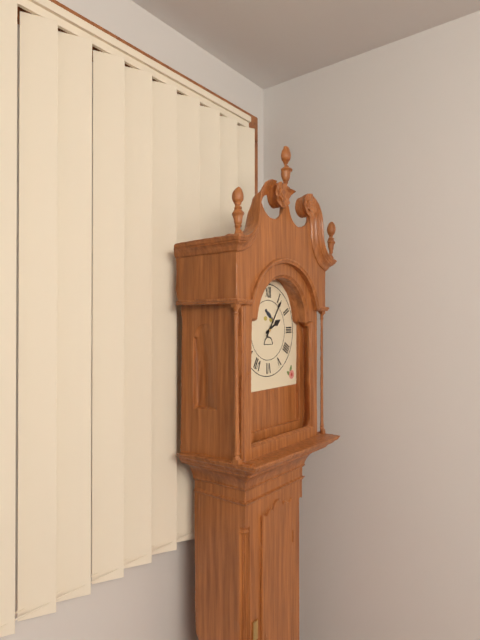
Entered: 2,06
